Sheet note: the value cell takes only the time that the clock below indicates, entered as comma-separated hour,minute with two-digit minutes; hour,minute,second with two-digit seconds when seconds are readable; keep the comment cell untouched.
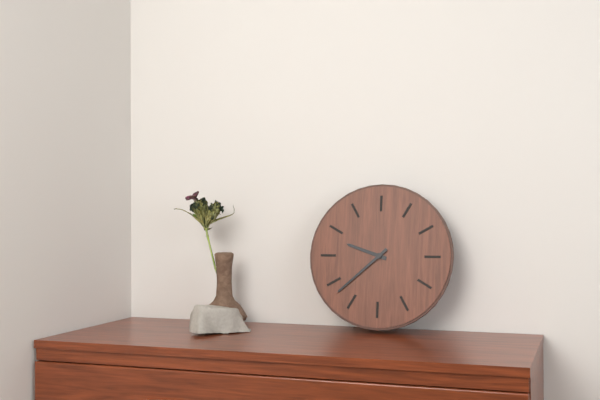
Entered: 9,38
